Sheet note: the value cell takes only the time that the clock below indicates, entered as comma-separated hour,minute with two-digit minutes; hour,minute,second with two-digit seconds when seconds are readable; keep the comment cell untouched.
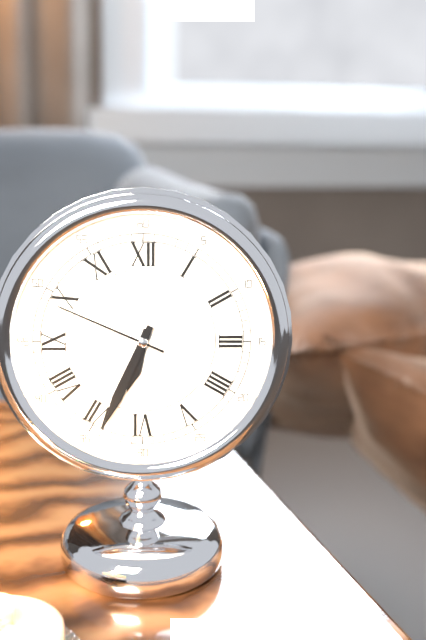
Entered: 6,34,49
